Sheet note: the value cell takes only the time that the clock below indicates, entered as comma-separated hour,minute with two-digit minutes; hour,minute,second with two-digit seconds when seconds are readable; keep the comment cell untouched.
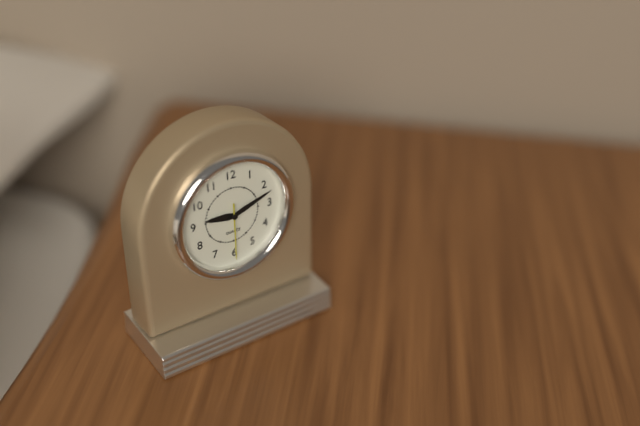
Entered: 9,12,30
